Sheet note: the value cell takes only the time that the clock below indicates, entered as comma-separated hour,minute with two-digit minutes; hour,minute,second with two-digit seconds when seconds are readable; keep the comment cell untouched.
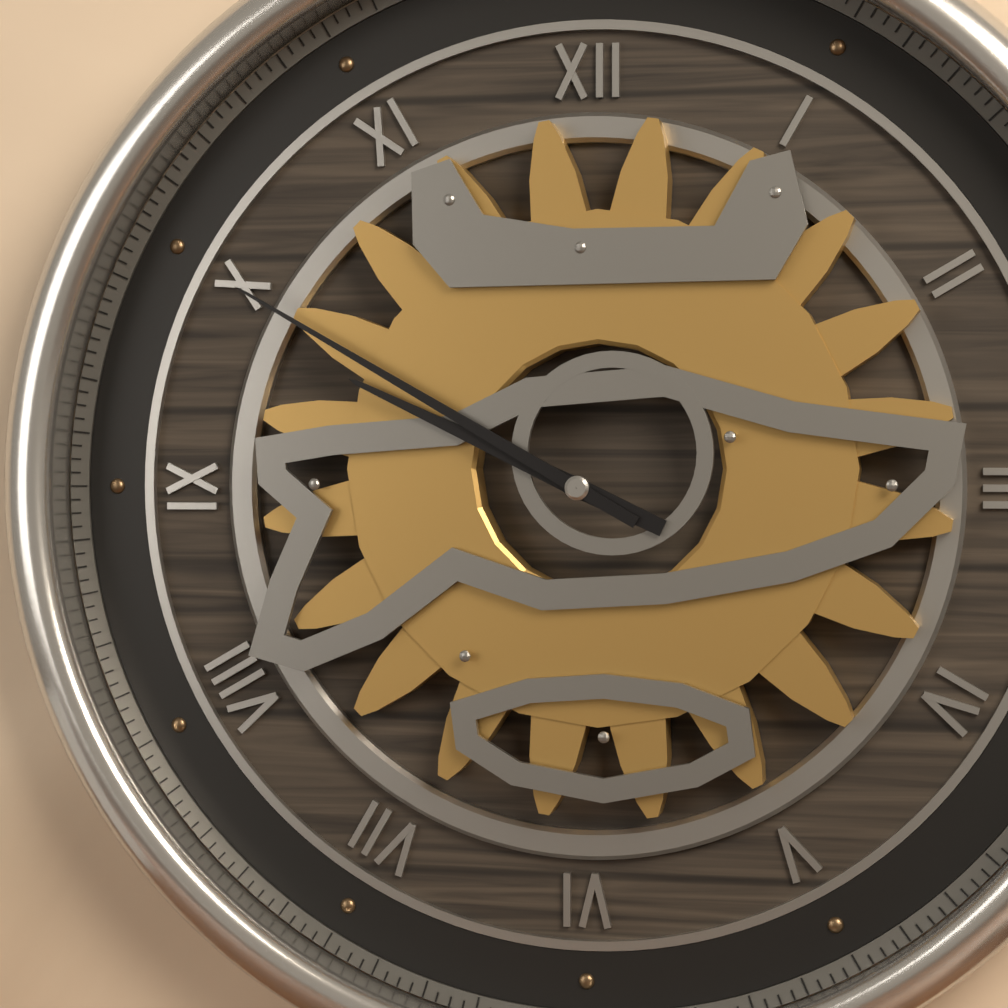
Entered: 9,50
